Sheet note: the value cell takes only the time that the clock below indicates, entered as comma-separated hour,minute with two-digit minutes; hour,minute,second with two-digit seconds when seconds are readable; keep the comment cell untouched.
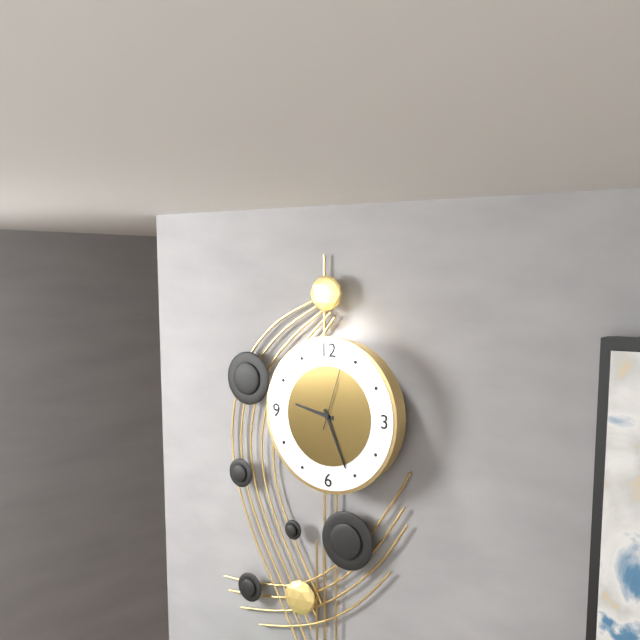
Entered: 9,26,03
